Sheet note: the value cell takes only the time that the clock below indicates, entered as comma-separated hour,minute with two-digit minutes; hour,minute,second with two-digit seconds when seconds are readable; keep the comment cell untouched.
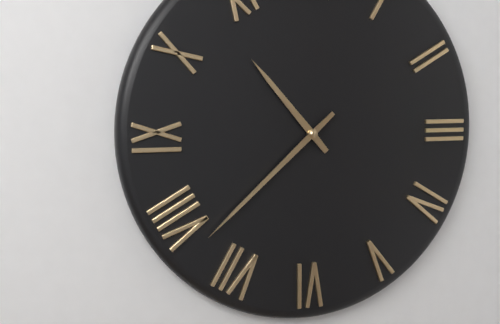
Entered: 10,38
